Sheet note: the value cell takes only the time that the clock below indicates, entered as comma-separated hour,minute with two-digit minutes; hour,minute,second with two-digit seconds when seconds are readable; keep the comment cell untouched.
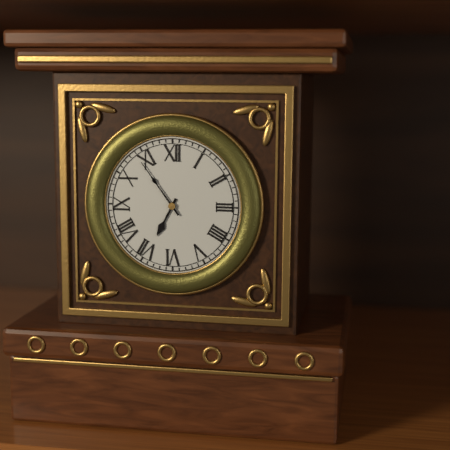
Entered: 6,54
